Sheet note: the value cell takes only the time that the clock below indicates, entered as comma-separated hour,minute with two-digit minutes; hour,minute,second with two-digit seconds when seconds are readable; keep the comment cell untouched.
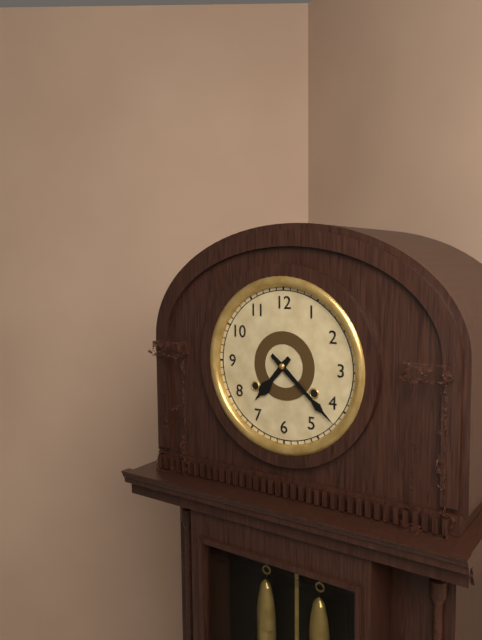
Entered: 7,22
